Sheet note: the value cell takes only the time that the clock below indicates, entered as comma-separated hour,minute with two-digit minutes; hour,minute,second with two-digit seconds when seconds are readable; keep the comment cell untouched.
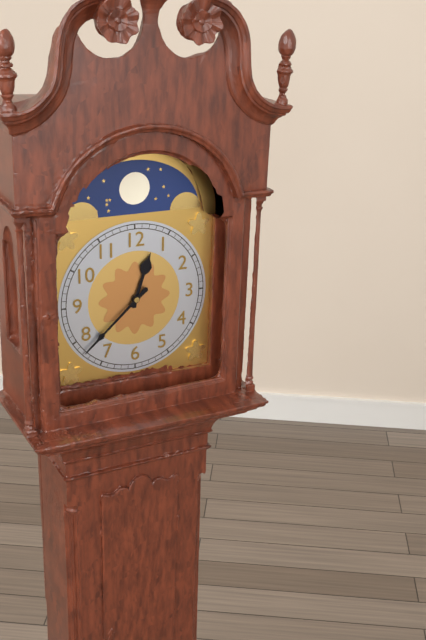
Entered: 12,38
